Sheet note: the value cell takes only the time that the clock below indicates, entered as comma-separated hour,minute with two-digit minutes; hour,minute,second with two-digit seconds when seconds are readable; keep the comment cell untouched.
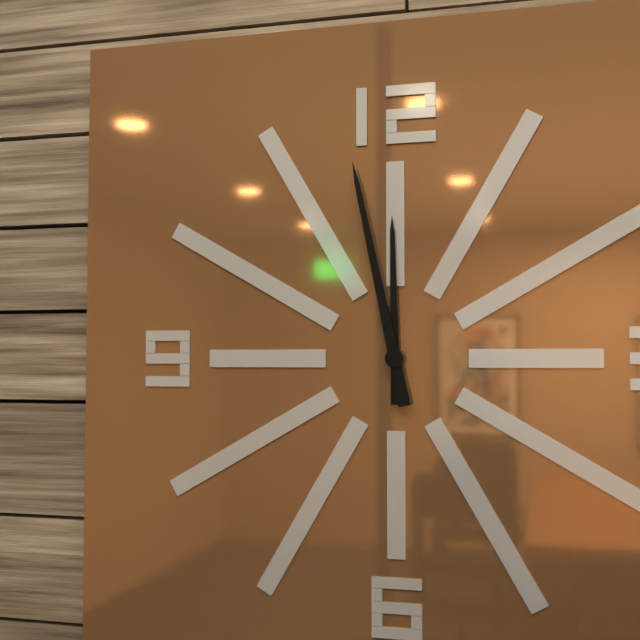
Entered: 11,58
